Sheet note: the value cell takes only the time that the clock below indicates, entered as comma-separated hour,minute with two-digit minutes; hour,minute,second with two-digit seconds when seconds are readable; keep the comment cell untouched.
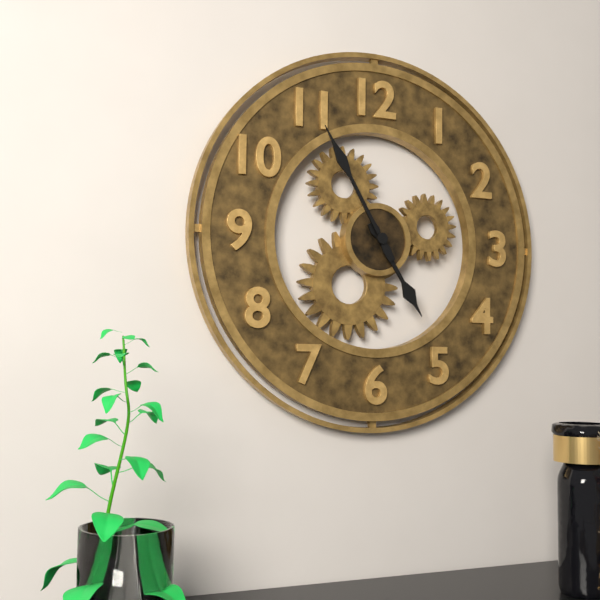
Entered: 4,55
